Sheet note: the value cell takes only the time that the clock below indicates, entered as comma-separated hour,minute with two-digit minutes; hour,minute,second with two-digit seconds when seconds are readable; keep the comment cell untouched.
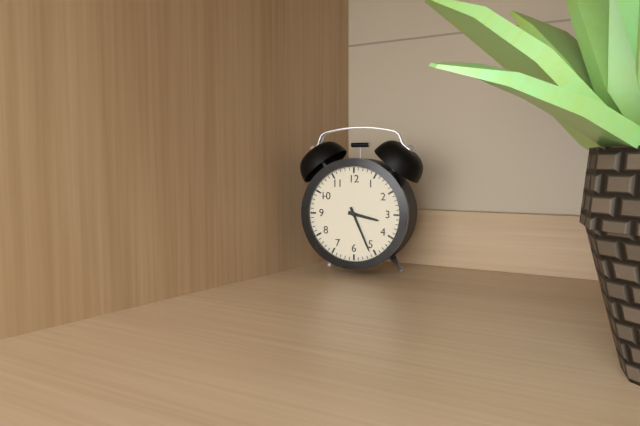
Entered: 3,26
